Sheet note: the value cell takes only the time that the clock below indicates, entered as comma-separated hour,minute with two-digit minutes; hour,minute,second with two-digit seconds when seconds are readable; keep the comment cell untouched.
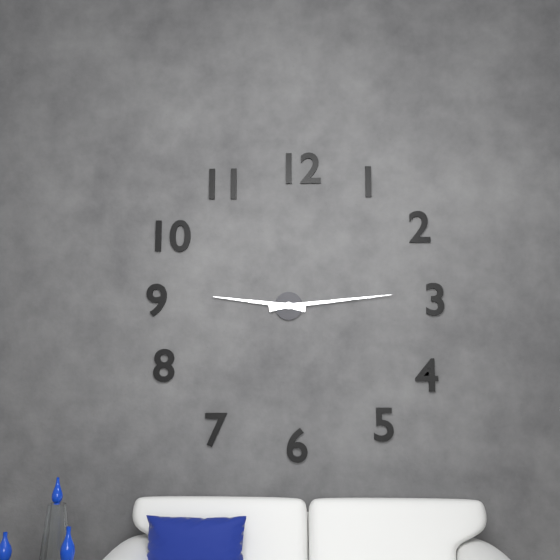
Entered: 9,14
